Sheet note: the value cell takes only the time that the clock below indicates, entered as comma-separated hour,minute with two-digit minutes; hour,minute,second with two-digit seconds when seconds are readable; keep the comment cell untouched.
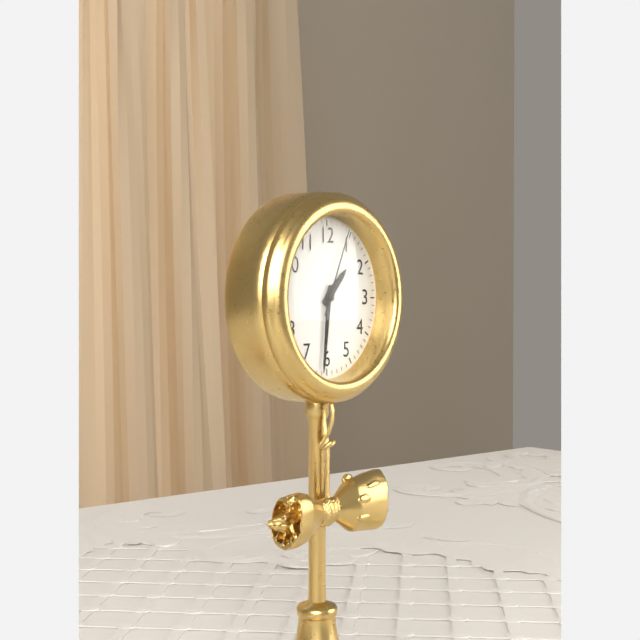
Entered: 1,31,04
